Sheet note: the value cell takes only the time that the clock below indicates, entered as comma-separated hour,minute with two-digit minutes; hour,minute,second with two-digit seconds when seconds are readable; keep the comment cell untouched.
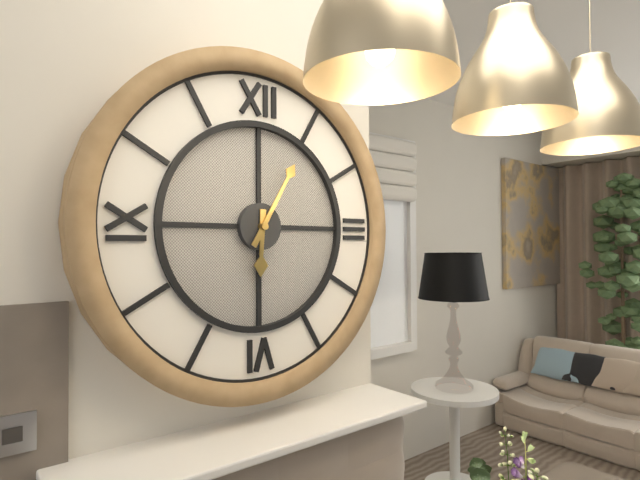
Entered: 6,05
